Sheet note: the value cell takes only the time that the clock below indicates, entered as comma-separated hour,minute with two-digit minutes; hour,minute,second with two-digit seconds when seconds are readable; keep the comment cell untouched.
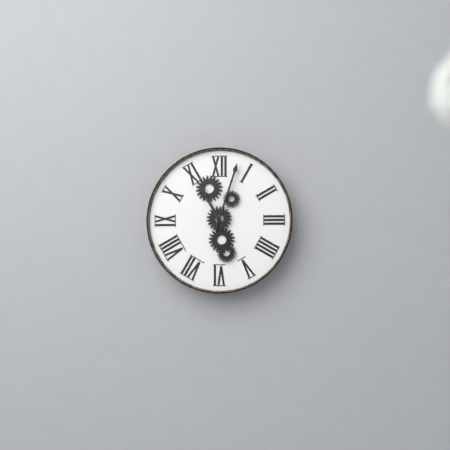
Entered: 11,03
